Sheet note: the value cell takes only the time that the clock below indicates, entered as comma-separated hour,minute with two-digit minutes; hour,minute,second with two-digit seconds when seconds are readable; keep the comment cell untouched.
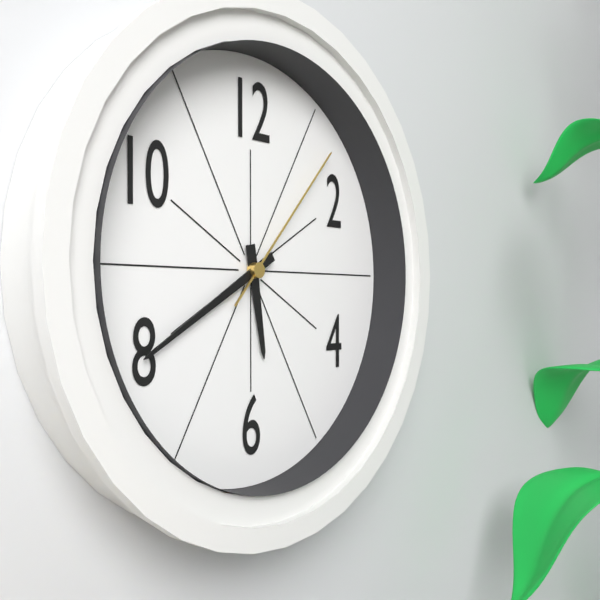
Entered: 5,40,07
